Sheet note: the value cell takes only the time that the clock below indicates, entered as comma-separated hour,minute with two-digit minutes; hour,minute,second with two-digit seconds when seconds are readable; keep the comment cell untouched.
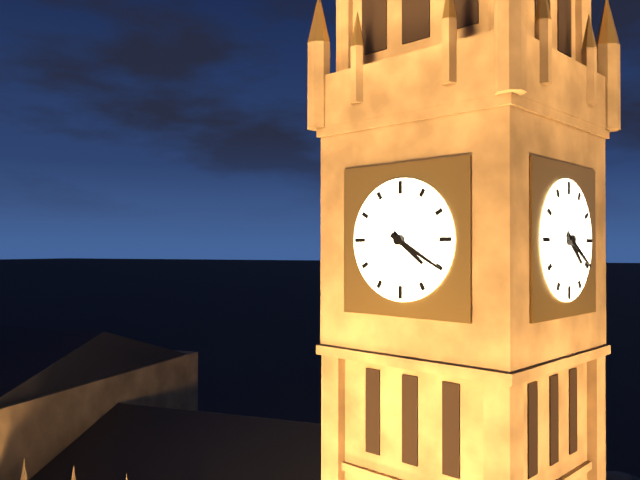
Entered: 4,20
